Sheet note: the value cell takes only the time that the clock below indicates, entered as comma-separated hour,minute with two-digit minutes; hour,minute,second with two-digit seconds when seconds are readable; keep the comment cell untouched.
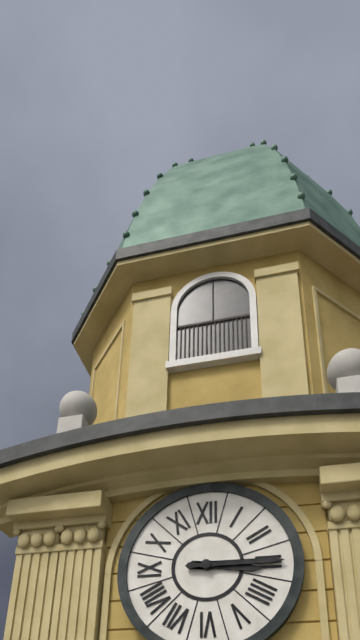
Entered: 3,15
